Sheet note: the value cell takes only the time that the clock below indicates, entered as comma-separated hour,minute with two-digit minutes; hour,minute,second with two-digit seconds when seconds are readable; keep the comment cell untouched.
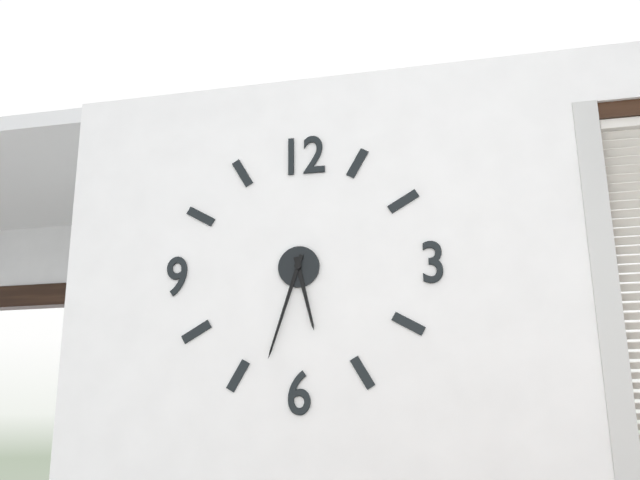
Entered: 5,33
